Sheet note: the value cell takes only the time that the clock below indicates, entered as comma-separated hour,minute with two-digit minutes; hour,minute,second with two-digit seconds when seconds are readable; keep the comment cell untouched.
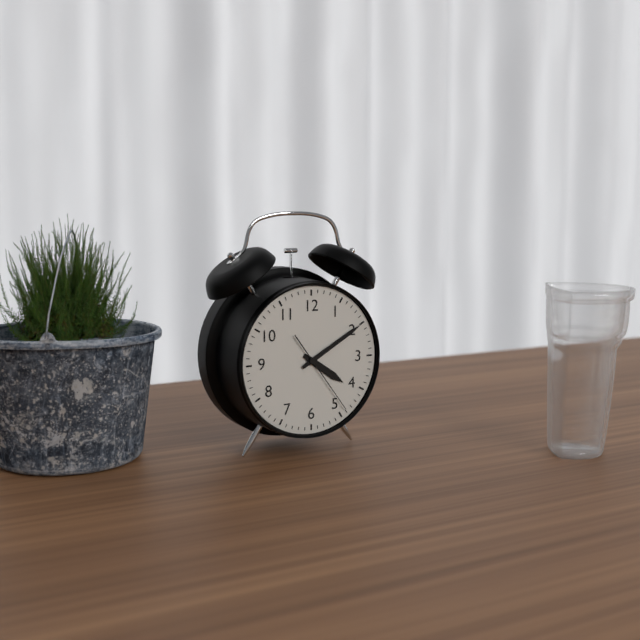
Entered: 4,10,24
